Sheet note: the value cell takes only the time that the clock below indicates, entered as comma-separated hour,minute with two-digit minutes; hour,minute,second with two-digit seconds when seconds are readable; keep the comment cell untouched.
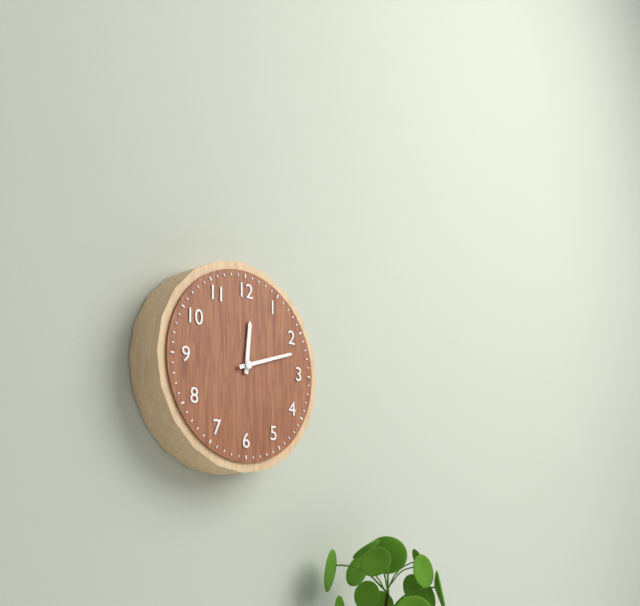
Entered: 12,12
